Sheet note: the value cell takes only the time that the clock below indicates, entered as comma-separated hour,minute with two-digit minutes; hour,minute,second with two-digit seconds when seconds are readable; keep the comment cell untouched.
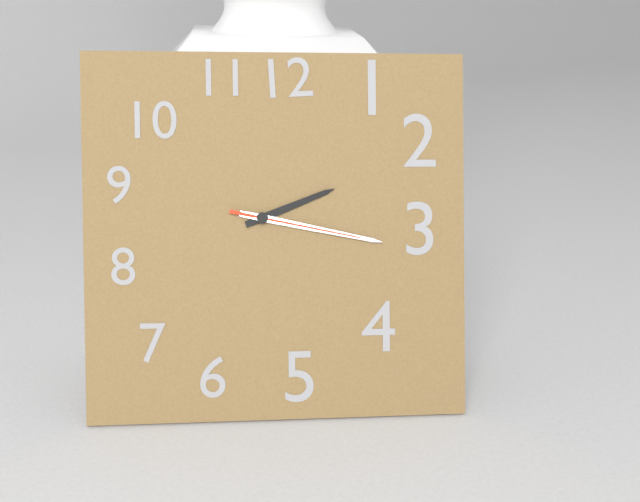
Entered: 2,17,17
